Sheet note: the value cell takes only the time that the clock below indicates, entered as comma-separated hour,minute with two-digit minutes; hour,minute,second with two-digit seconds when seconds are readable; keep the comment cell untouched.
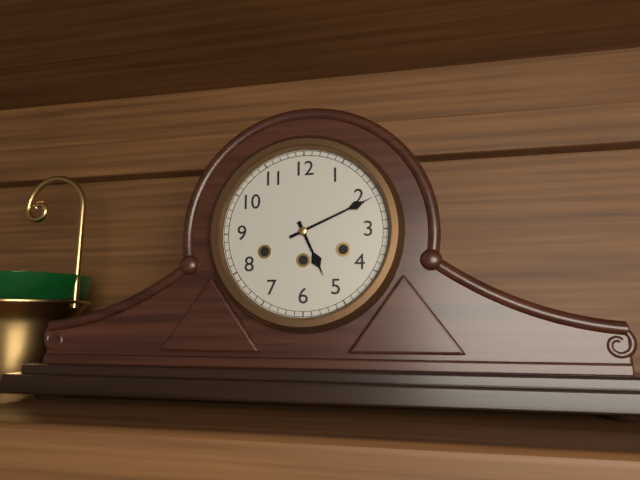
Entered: 5,11
